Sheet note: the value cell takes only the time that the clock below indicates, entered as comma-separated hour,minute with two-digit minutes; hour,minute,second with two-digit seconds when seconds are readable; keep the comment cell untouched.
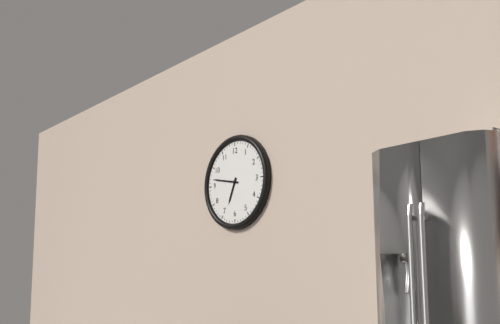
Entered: 6,47
